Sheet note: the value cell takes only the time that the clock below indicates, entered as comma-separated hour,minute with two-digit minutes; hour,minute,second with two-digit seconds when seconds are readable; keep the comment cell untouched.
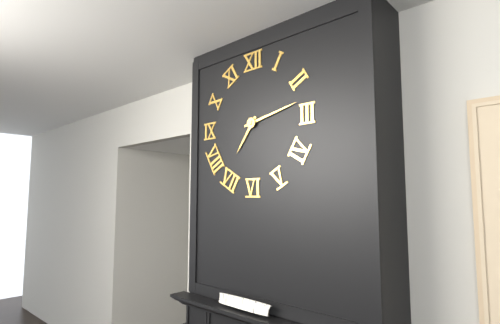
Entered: 7,13
